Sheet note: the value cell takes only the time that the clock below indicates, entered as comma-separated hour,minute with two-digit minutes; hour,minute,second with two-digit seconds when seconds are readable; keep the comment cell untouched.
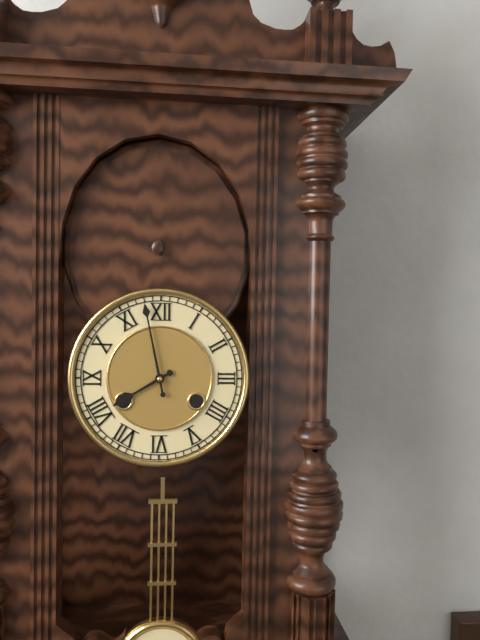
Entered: 7,58
